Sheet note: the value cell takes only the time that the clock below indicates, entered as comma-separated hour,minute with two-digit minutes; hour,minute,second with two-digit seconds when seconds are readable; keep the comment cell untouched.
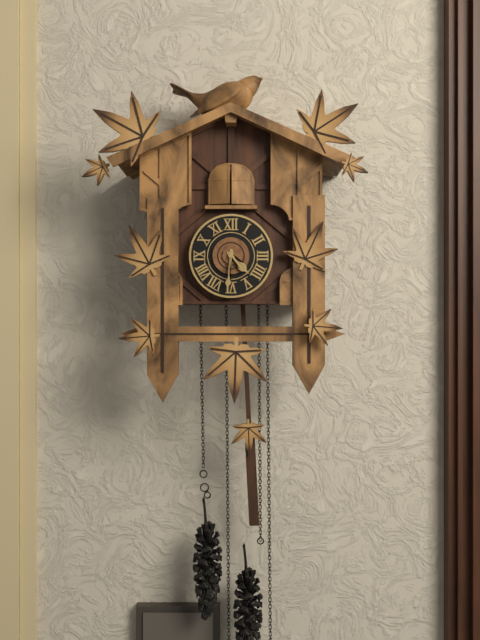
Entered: 4,31
